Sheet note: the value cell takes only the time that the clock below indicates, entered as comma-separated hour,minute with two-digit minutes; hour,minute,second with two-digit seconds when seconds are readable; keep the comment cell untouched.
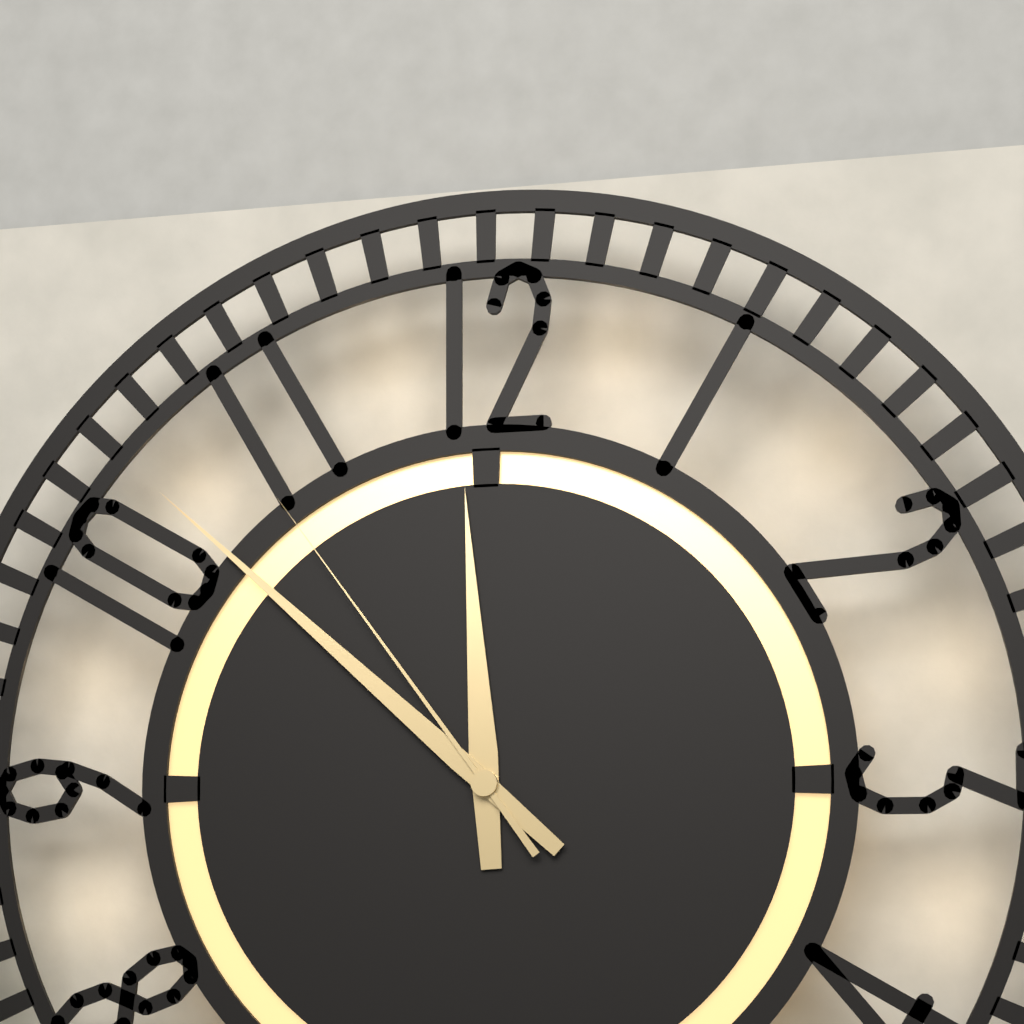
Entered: 11,52,54
